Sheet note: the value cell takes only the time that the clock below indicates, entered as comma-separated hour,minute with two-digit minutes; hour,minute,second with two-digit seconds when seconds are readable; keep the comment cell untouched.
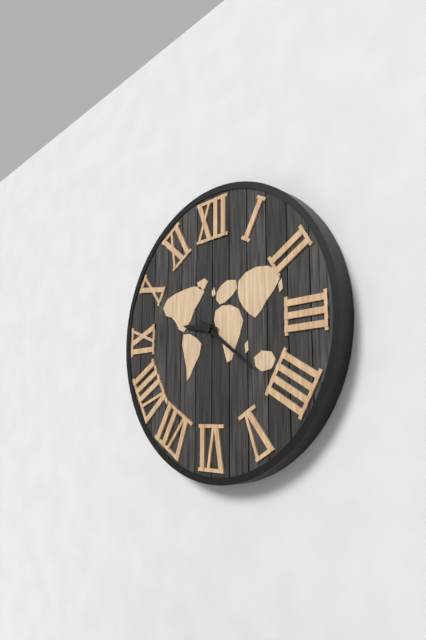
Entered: 9,21
